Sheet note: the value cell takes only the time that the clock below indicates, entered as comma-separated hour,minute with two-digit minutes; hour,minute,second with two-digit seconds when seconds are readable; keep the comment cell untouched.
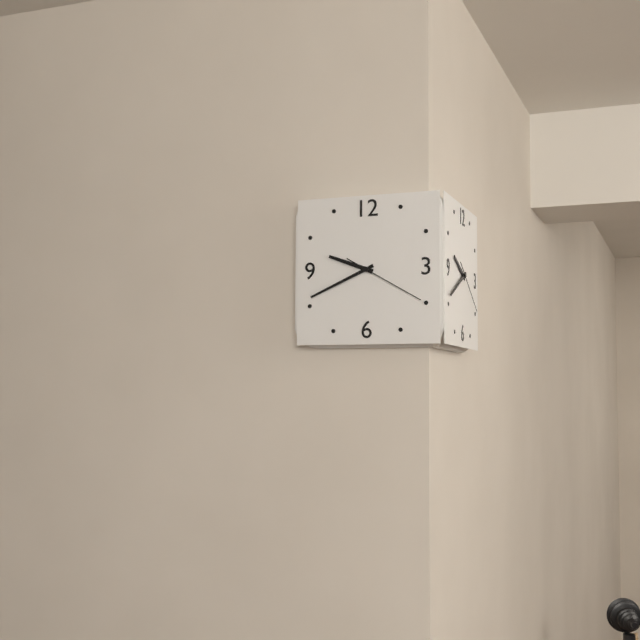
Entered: 9,41,20
